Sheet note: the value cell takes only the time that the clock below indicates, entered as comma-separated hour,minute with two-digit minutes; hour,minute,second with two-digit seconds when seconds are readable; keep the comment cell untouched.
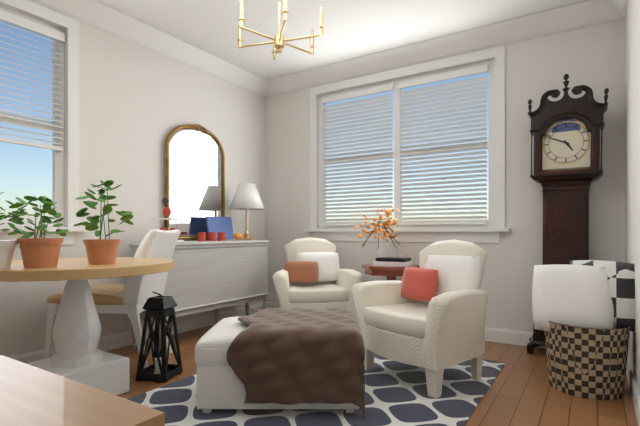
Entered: 4,49
